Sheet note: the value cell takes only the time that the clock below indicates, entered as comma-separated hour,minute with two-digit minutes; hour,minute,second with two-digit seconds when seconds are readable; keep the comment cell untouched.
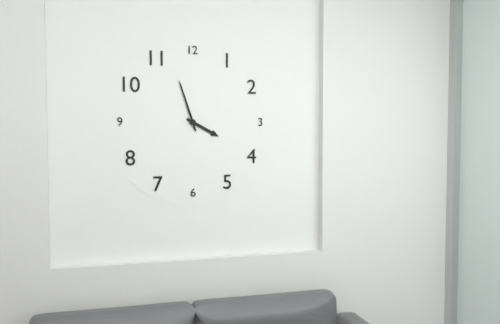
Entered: 3,57
